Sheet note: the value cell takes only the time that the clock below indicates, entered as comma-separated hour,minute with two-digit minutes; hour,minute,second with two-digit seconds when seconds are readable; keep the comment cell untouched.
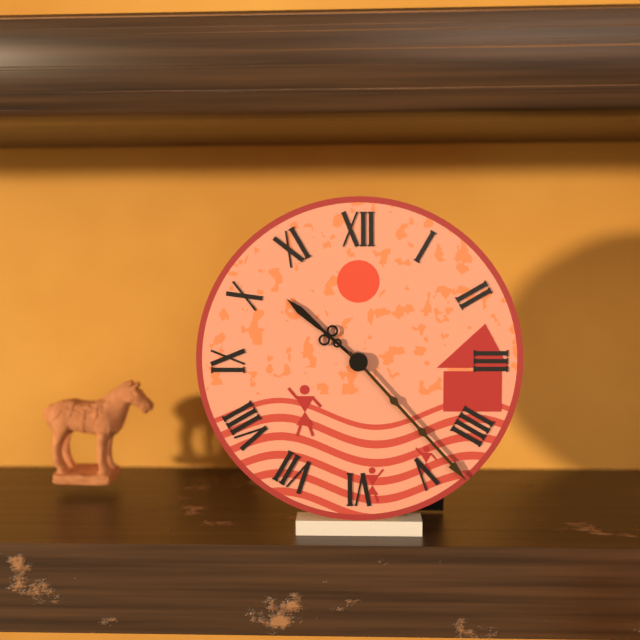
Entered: 10,23
